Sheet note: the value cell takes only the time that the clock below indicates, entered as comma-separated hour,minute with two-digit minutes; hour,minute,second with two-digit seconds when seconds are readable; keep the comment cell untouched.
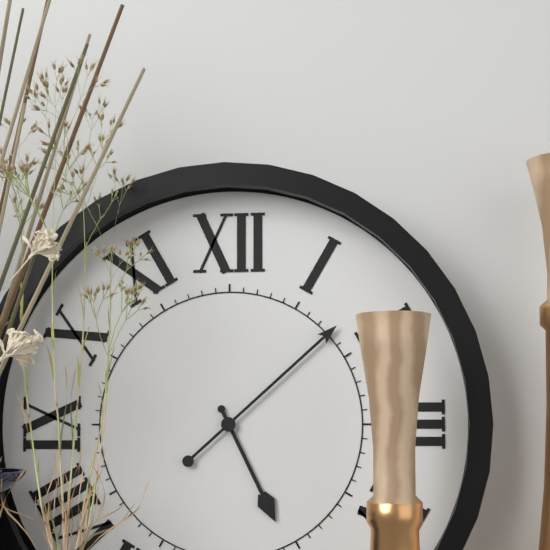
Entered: 5,08
